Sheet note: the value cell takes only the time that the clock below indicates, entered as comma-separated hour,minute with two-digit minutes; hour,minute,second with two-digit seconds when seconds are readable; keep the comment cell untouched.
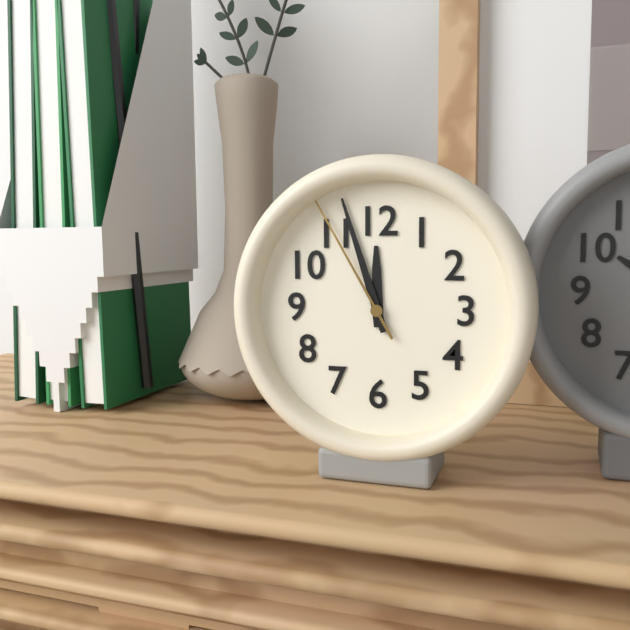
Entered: 11,57,55
